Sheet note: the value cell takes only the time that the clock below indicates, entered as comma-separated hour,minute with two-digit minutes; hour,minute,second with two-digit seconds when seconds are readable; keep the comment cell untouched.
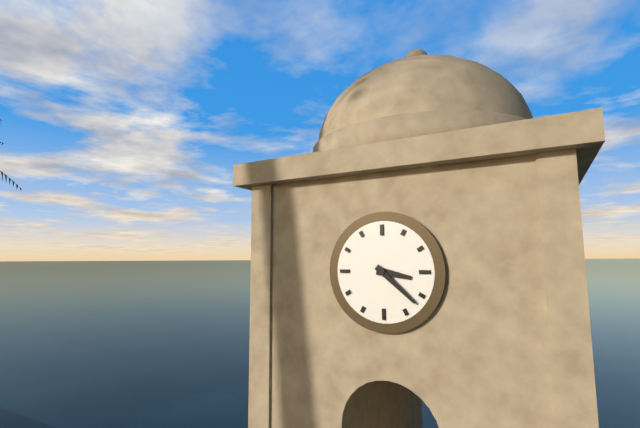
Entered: 3,22
